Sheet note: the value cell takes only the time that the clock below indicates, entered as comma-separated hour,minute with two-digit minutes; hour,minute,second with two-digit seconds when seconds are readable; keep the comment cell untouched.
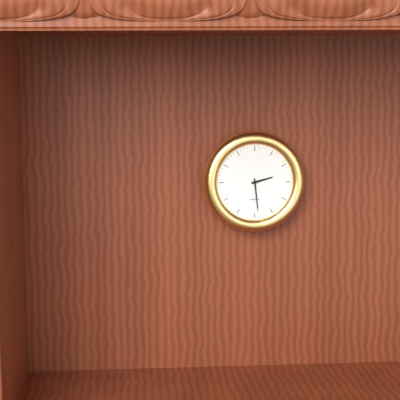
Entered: 2,29
